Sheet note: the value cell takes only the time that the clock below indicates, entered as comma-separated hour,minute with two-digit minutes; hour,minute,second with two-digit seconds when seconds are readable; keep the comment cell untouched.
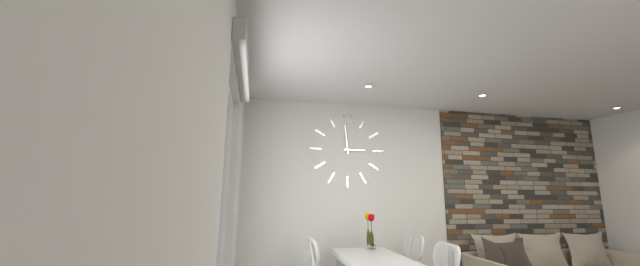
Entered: 2,59
